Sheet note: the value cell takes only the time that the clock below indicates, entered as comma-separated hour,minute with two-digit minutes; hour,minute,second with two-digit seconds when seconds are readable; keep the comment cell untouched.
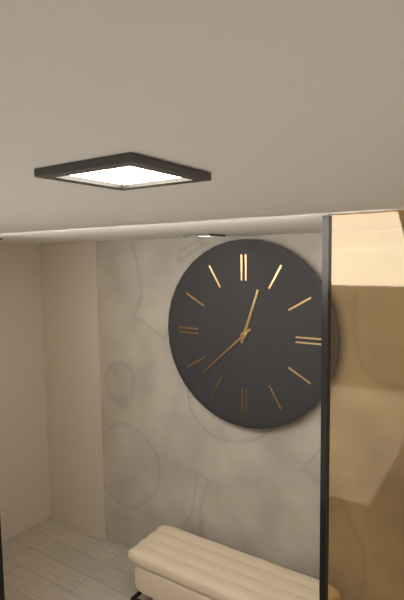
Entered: 12,38
